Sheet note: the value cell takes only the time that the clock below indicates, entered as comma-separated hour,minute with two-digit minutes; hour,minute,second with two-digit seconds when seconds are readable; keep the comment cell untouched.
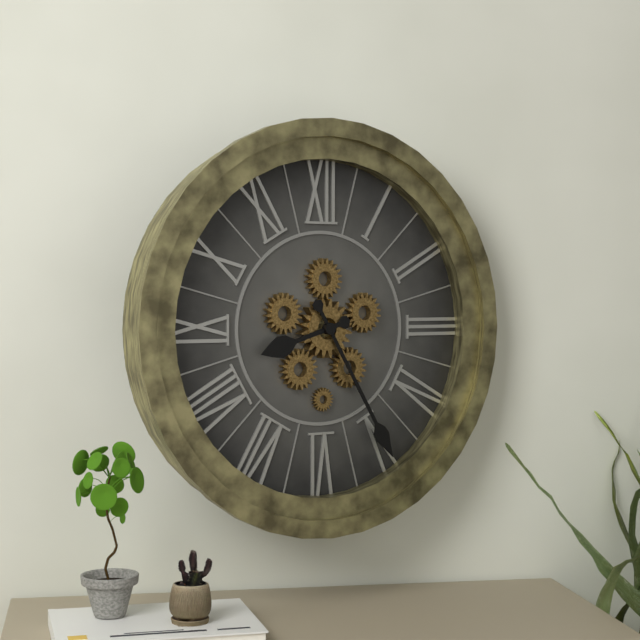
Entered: 8,25
